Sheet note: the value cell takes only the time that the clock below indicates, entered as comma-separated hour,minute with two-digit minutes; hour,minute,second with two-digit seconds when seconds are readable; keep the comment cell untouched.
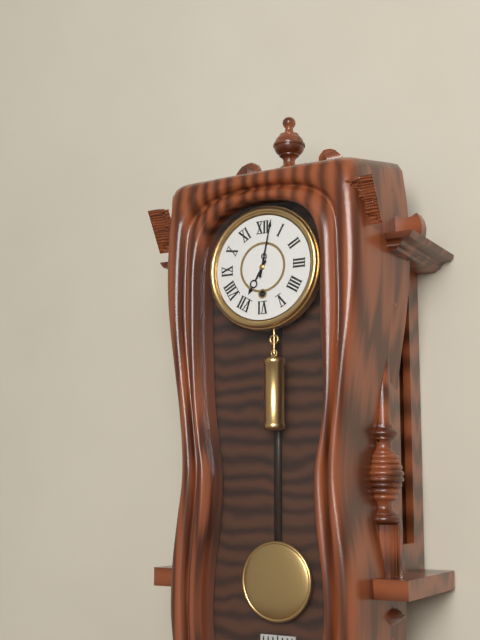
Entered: 7,02
